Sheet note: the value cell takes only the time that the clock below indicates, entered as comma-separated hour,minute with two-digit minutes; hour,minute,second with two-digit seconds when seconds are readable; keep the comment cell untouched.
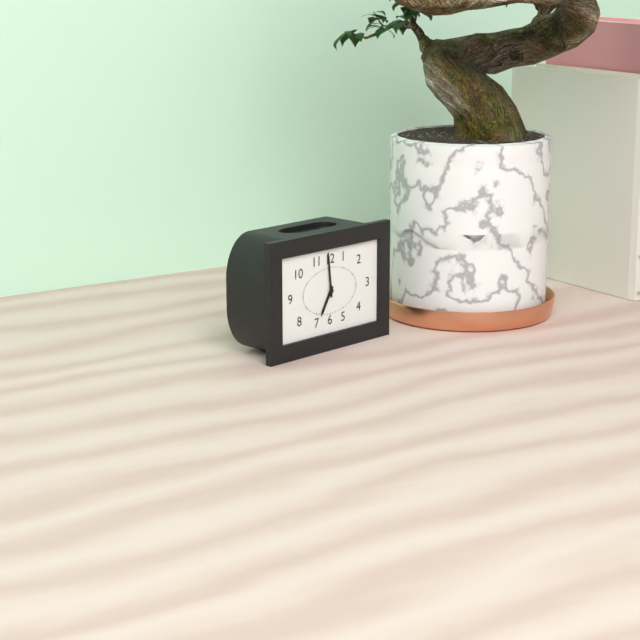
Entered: 6,59
